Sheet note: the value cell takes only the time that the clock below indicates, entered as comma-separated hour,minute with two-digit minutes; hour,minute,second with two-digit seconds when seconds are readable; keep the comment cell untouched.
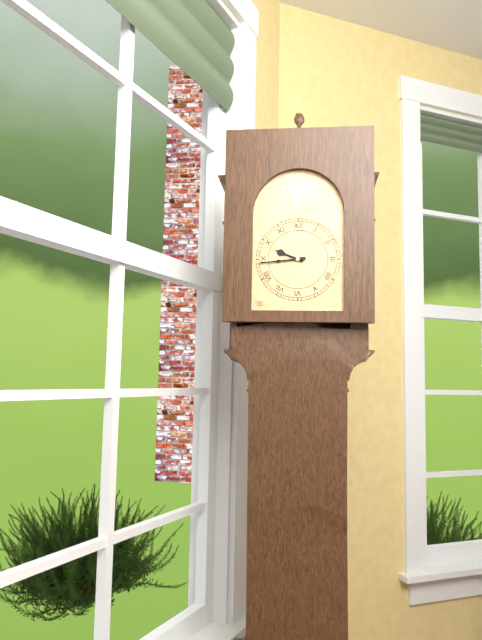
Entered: 9,44
